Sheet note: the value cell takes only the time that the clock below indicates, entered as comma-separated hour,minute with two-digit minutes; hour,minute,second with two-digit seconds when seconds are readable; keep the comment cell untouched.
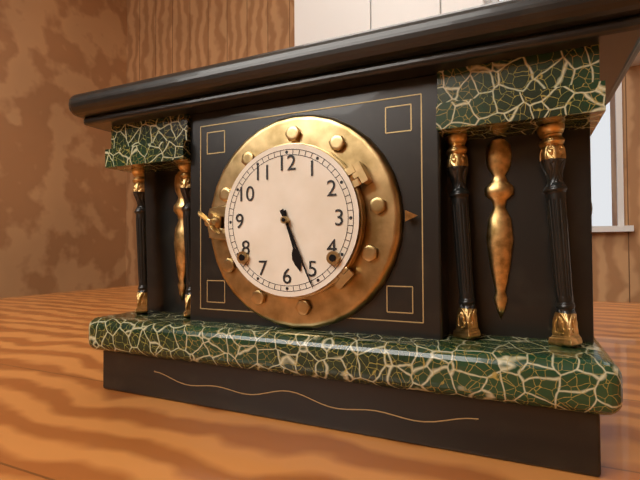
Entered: 5,26
